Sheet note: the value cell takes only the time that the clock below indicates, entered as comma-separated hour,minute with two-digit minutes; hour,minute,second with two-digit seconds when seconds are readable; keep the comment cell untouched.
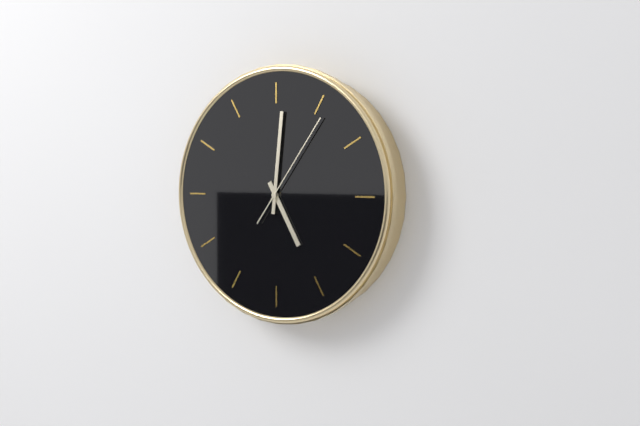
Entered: 5,01,06
